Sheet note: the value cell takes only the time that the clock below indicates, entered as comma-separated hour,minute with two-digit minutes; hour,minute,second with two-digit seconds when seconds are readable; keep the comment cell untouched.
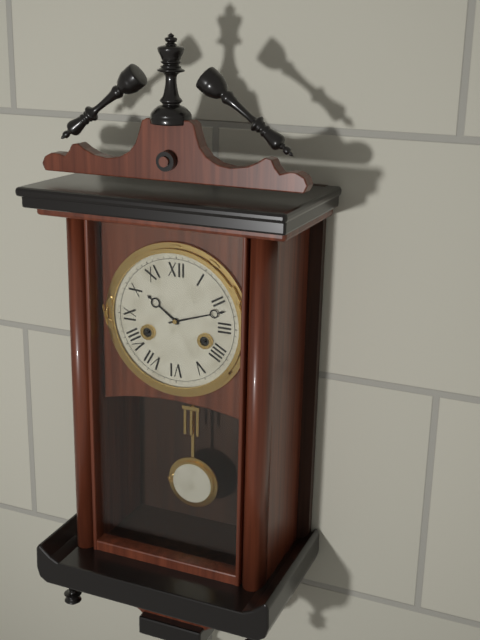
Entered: 10,12
